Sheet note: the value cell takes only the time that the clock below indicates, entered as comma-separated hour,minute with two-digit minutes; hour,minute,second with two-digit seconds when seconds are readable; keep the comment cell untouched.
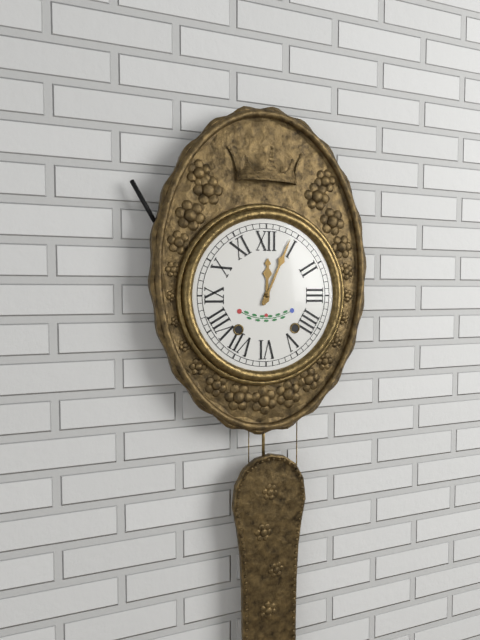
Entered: 12,04
